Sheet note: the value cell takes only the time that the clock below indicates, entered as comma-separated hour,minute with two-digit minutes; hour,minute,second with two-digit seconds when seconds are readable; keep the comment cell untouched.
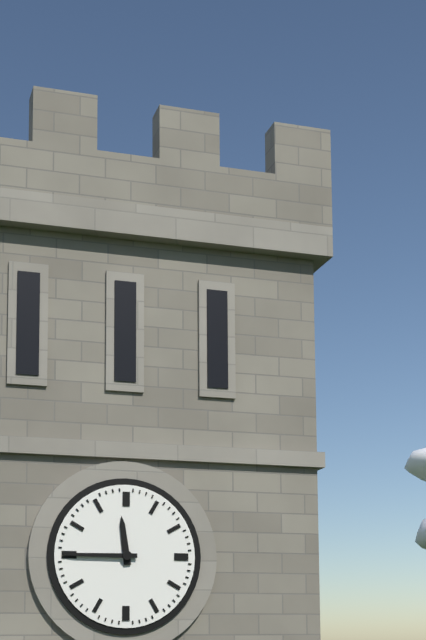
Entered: 11,45
